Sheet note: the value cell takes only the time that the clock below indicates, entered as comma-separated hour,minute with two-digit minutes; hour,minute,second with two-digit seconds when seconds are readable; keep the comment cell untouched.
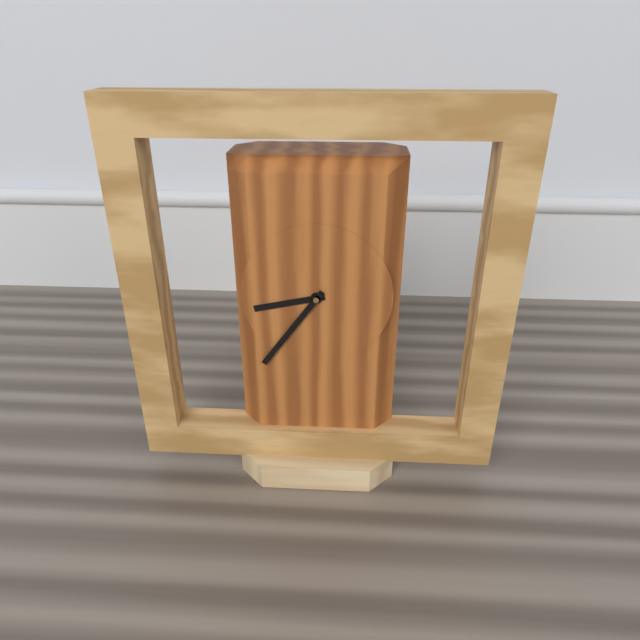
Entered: 8,36
